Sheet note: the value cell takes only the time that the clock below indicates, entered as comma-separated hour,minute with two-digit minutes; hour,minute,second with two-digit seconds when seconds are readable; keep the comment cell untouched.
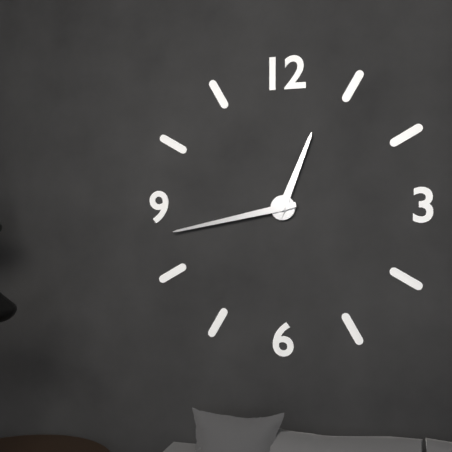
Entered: 12,43
